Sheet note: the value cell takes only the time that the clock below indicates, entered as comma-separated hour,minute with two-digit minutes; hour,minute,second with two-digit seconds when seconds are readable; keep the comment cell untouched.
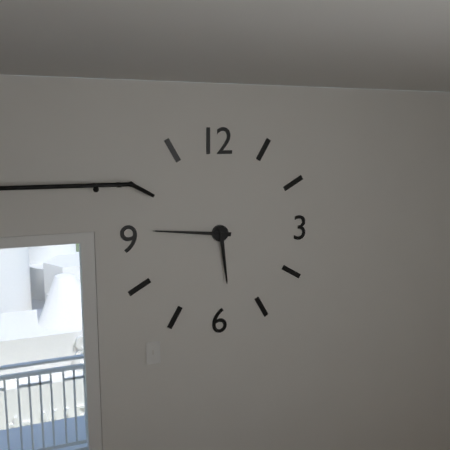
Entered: 5,46
